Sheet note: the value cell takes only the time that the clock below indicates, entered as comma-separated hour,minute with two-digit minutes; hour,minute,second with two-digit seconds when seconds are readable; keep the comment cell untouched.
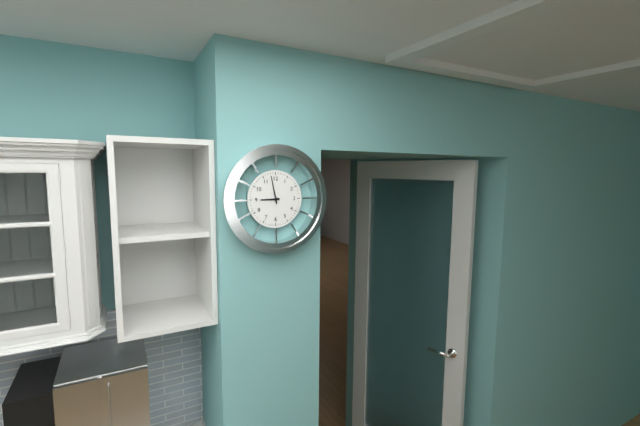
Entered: 8,58
